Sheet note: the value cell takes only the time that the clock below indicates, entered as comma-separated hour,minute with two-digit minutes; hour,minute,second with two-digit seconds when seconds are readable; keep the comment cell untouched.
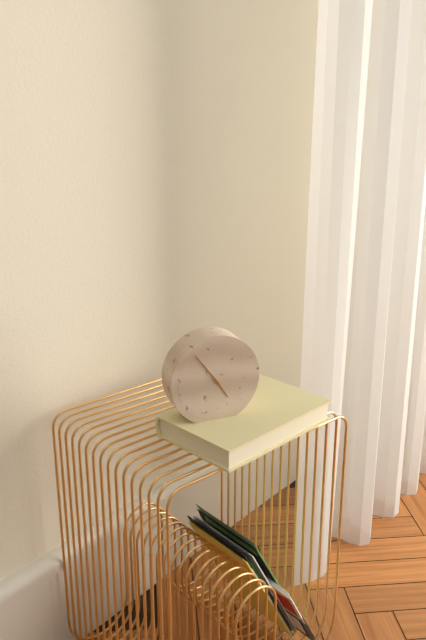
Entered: 4,54
